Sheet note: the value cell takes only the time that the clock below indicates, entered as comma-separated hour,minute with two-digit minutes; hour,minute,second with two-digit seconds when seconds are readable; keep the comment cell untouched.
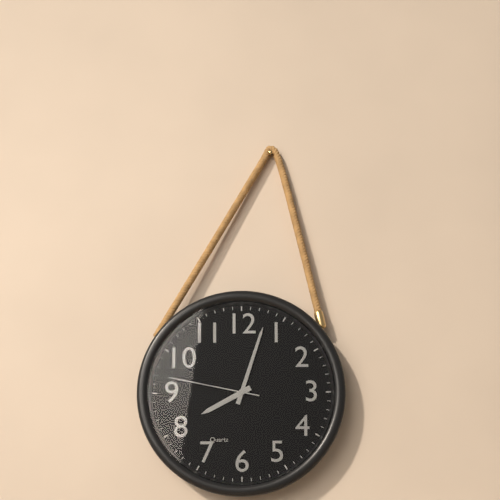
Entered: 8,03,47
